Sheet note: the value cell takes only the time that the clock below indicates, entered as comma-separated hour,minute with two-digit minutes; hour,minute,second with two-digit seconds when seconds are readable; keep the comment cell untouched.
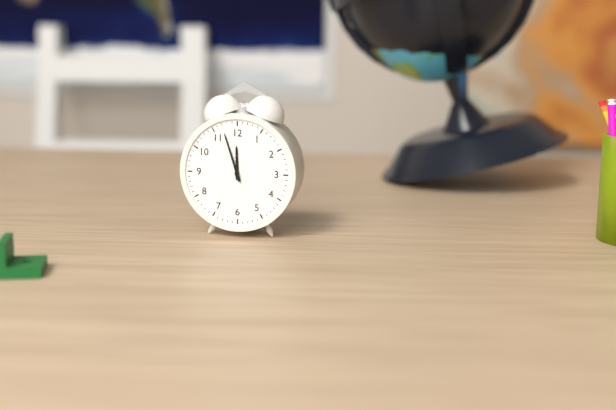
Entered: 11,57
